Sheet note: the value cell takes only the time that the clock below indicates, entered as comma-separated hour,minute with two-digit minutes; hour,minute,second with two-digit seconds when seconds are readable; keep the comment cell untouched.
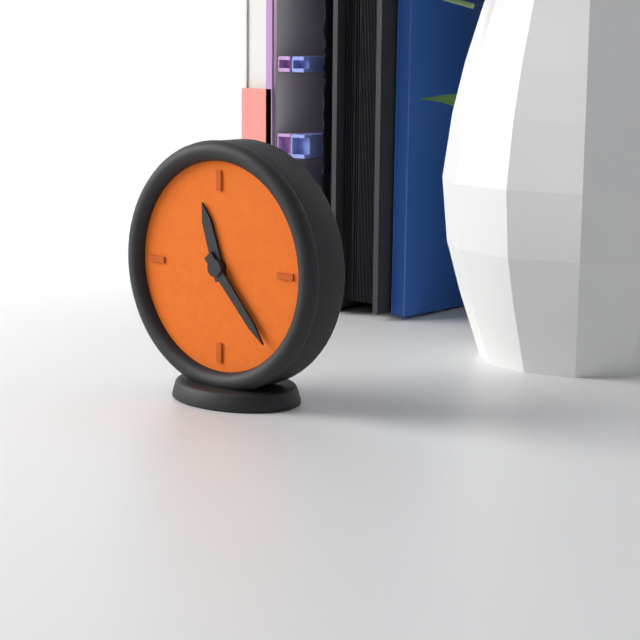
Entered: 11,23
